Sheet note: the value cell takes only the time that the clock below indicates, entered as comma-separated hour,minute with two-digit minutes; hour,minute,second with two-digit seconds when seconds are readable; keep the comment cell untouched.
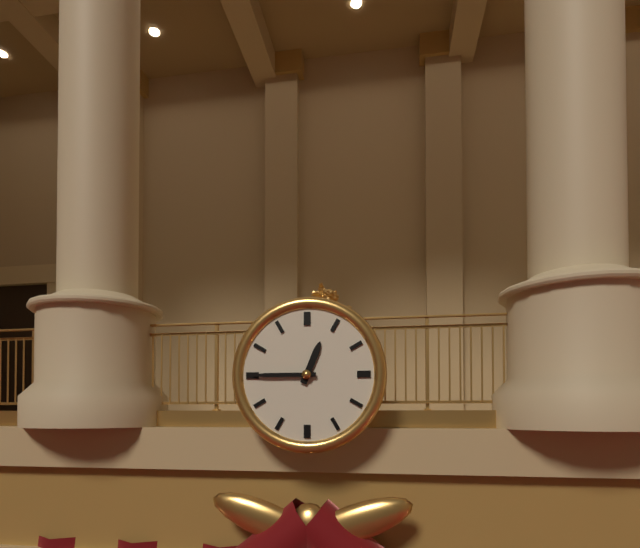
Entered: 12,45
